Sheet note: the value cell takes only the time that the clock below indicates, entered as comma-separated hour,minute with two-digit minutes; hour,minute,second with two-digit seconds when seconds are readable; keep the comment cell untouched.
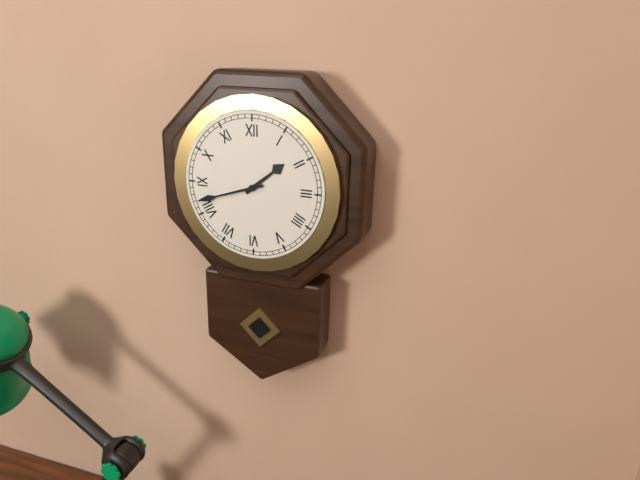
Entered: 1,42
